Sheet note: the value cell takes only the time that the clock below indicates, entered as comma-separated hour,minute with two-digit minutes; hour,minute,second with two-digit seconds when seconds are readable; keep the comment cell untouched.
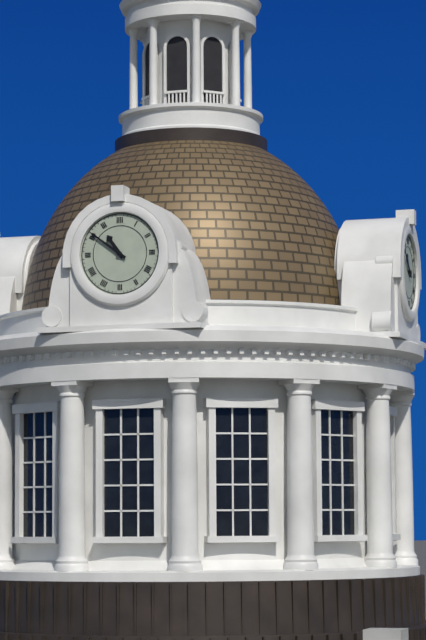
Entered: 10,51
